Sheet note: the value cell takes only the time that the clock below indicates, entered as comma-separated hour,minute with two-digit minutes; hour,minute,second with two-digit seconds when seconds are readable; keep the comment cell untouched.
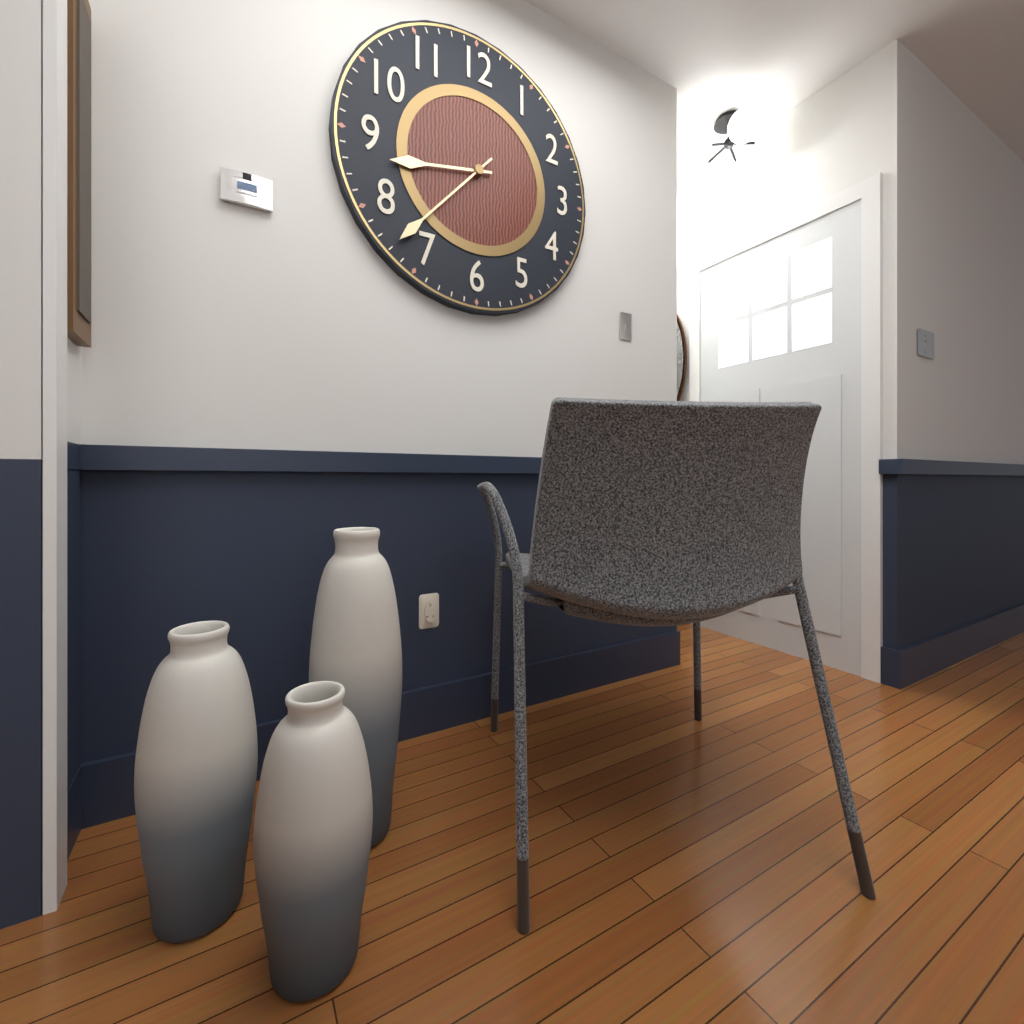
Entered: 8,37
